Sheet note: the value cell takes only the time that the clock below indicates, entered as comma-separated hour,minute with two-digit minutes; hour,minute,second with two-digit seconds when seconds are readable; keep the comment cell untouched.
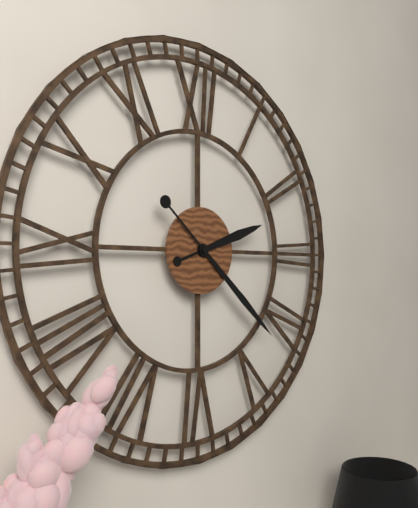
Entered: 2,22
